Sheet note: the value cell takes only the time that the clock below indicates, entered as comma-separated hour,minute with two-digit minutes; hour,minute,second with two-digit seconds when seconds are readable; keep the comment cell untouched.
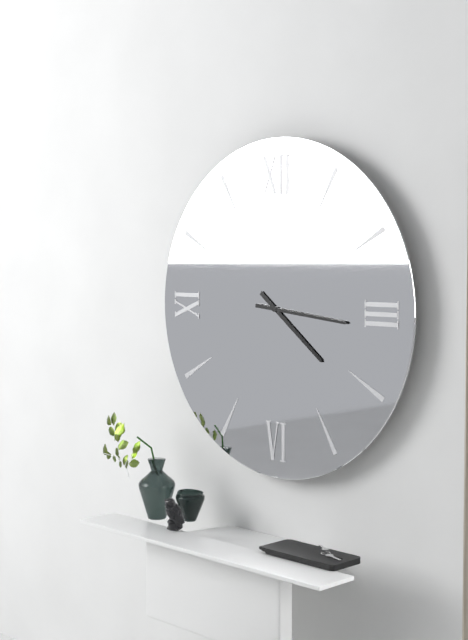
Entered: 4,16
